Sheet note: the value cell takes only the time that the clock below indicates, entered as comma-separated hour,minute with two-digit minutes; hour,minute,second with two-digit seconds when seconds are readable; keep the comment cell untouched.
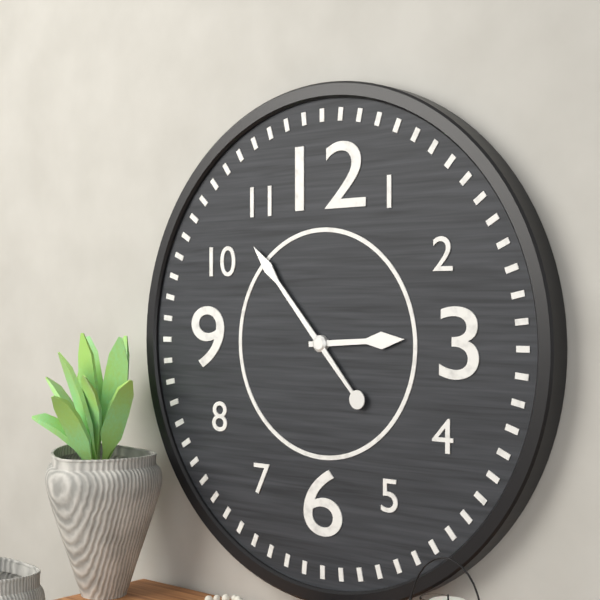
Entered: 2,53
